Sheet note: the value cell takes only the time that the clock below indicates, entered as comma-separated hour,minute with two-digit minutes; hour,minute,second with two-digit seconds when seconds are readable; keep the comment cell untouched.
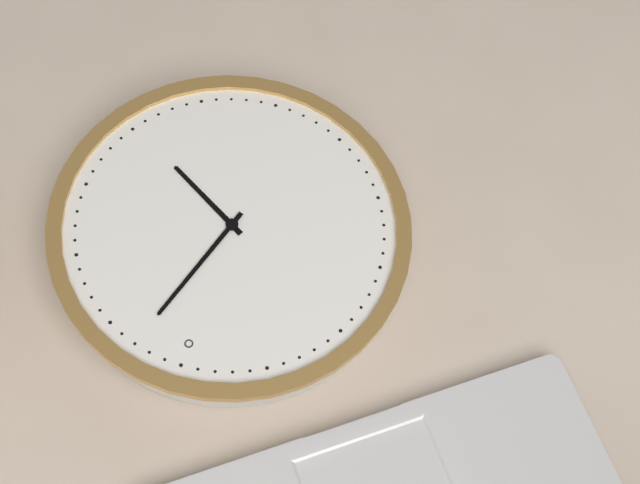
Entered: 4,03
